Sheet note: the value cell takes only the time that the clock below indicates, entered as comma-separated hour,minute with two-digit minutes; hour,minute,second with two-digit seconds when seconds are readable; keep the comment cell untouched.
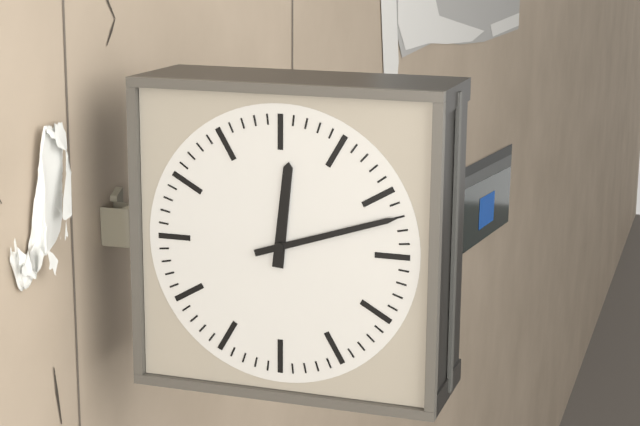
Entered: 12,12
